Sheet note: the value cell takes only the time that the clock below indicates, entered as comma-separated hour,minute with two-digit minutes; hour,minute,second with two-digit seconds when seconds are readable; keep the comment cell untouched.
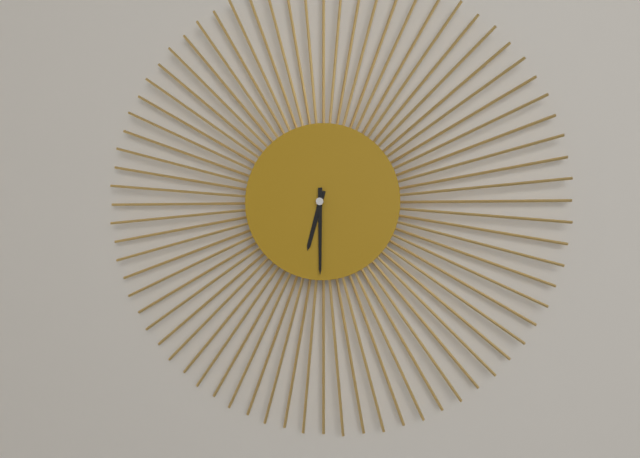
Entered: 6,30
